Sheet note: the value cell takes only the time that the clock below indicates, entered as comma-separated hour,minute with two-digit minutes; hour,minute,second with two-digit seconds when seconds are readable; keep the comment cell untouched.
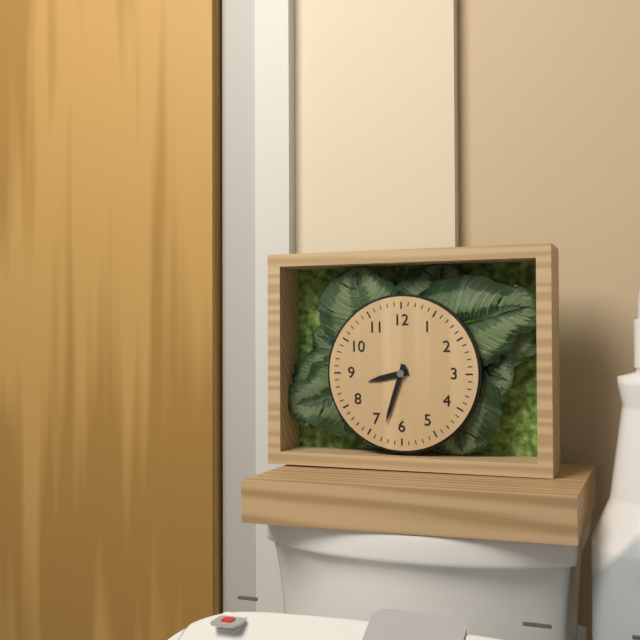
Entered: 8,33
